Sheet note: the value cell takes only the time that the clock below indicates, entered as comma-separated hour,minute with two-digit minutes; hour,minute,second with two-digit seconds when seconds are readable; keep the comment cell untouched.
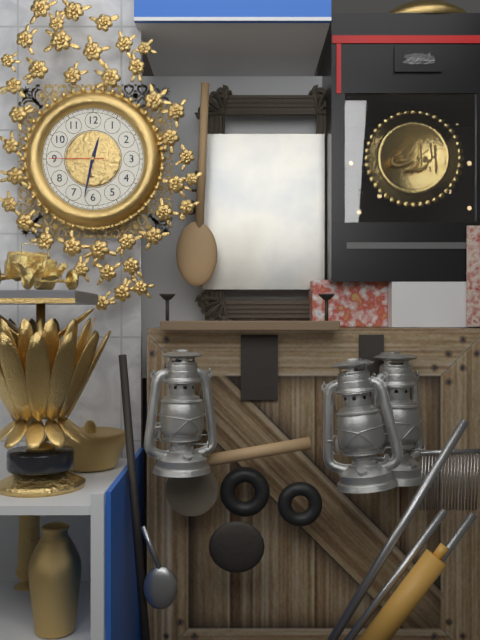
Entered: 12,32,45
